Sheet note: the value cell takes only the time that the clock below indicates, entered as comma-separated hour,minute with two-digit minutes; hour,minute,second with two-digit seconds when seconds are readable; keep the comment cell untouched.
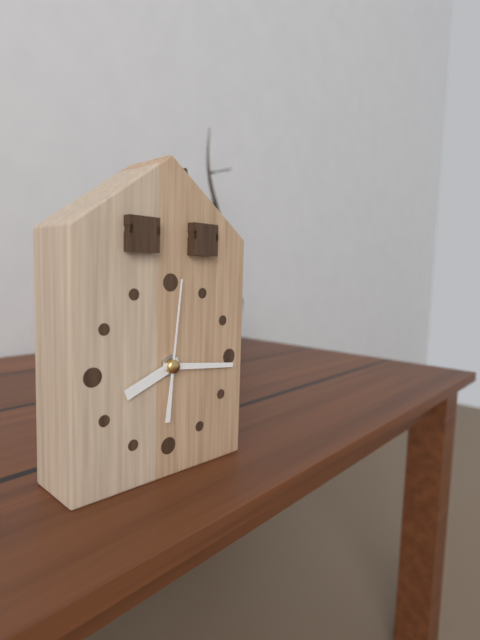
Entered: 8,16,01
